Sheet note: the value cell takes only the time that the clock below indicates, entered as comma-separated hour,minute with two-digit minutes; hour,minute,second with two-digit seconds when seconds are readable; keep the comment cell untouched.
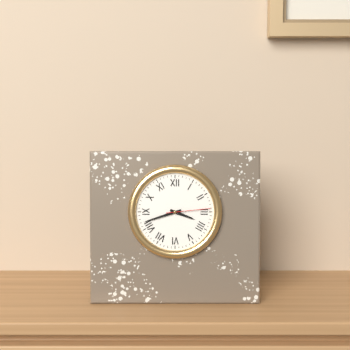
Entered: 3,42
